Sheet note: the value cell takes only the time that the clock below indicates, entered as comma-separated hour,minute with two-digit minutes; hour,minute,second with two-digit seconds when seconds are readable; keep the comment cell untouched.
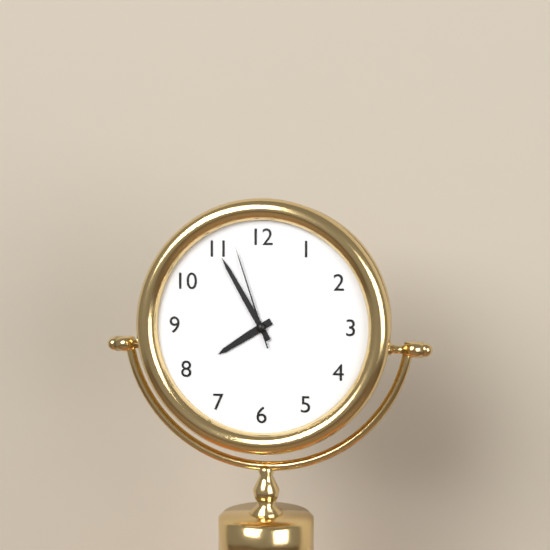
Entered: 7,55,57
